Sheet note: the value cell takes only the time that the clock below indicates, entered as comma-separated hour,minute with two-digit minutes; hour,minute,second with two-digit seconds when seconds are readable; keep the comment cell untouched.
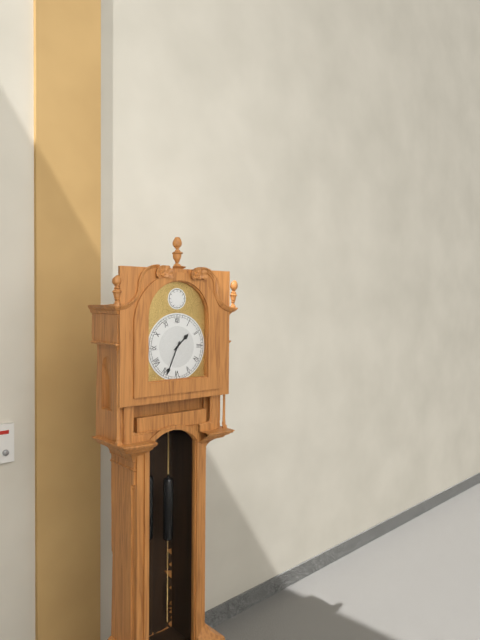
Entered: 1,34
